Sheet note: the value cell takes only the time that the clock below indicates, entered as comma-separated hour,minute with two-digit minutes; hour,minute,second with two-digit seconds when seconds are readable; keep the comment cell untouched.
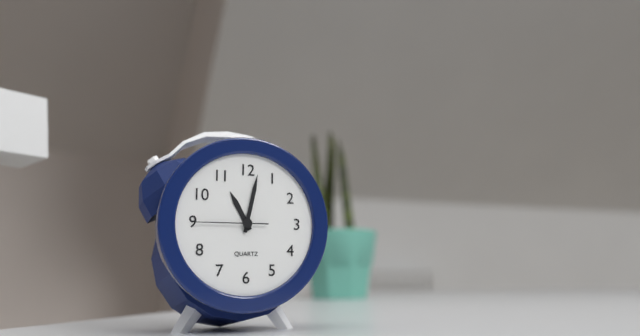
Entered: 11,02,45
